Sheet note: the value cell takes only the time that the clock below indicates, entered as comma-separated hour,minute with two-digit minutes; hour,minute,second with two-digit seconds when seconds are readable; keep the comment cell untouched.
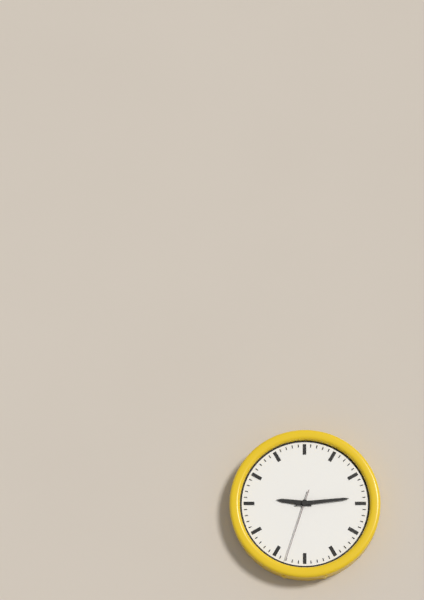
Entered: 9,14,33
